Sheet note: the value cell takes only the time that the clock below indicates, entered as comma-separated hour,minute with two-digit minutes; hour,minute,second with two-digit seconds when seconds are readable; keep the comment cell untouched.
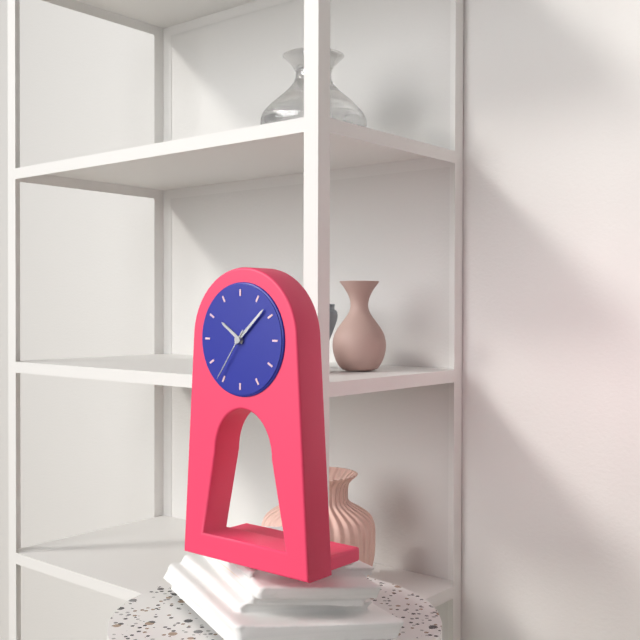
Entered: 10,08,36
